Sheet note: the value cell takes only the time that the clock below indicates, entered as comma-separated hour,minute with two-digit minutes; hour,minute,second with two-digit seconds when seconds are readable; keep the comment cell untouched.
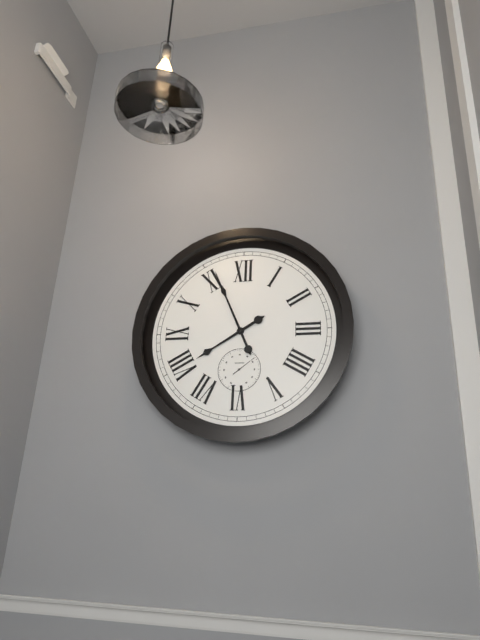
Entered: 7,56
